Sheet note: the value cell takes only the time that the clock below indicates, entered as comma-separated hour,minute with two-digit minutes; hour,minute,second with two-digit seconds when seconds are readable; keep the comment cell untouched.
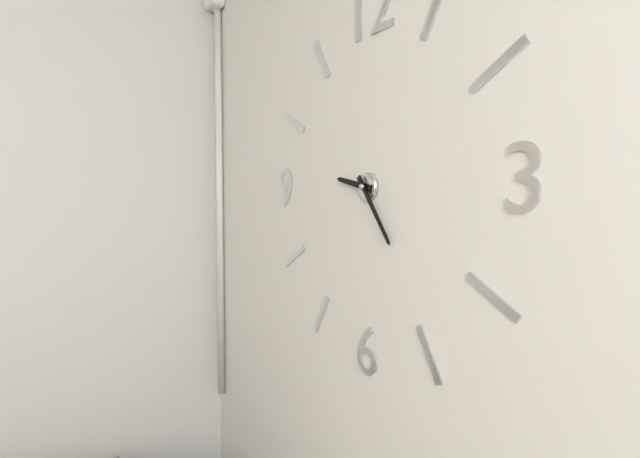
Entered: 9,24
